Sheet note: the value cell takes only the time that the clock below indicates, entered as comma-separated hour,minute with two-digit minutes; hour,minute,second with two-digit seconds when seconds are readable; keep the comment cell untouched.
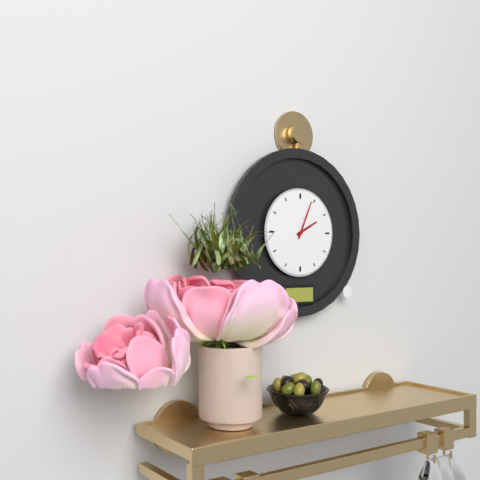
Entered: 2,04
